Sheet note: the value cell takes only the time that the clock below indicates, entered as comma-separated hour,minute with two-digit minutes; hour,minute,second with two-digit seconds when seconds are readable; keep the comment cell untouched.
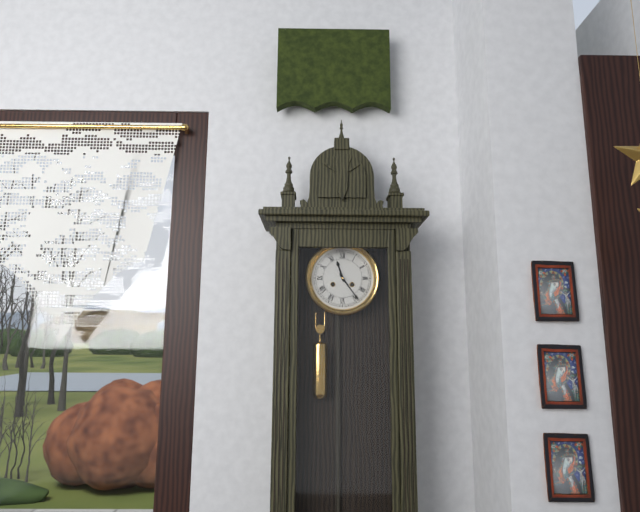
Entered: 11,24
